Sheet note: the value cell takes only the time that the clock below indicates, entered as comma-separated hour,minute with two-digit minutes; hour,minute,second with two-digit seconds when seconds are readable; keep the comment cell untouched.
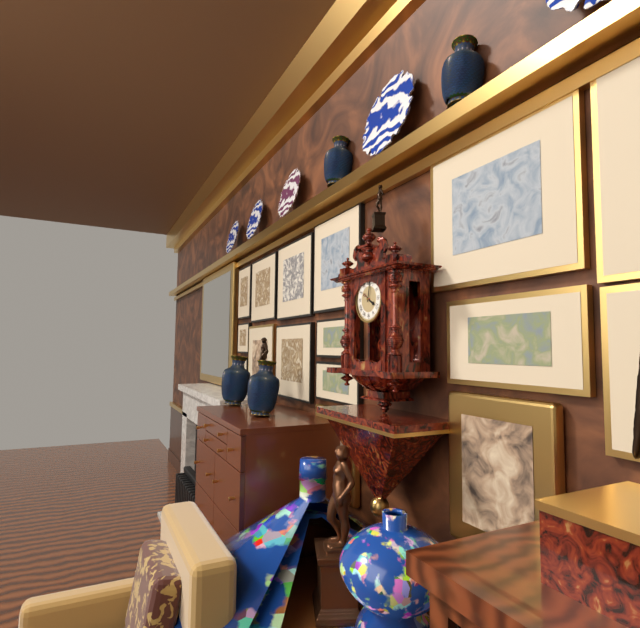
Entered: 4,02
